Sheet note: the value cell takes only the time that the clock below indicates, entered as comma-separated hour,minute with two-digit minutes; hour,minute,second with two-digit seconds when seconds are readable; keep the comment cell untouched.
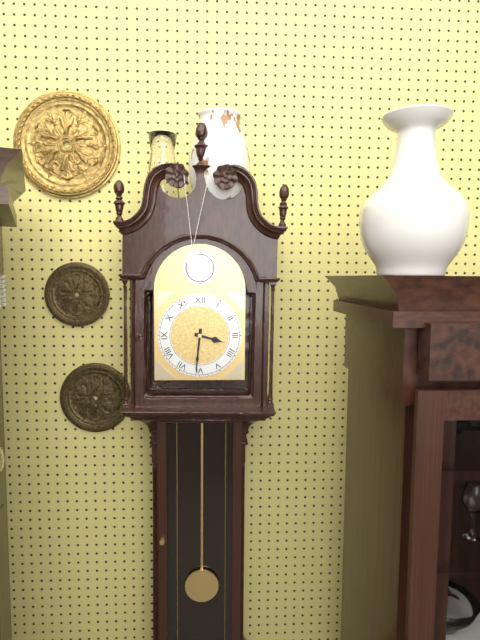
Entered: 3,31
